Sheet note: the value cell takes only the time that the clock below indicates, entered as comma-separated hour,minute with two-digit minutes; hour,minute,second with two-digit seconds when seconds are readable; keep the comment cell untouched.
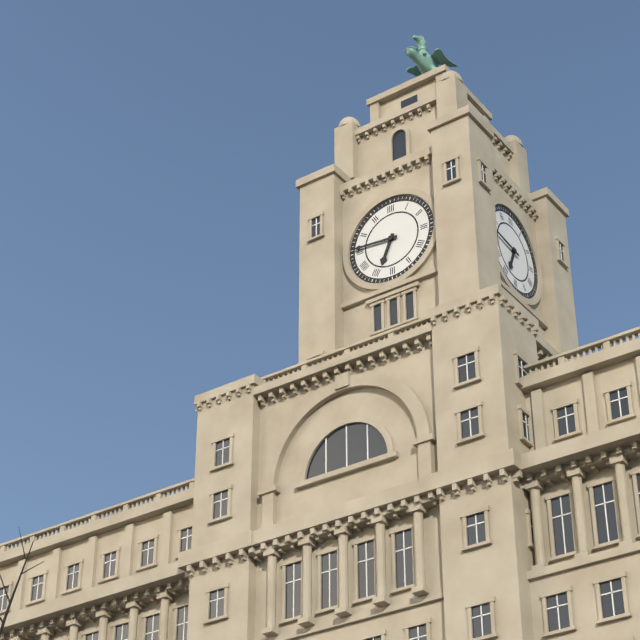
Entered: 6,46
